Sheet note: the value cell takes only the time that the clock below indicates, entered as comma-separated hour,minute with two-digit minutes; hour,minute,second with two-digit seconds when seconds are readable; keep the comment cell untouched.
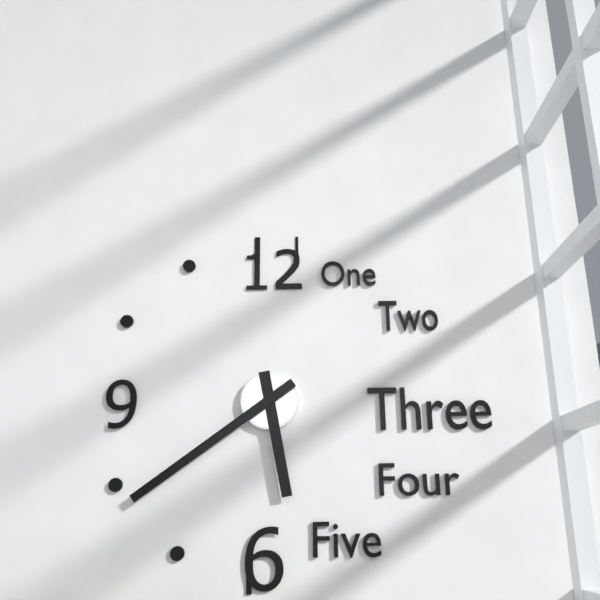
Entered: 5,39
